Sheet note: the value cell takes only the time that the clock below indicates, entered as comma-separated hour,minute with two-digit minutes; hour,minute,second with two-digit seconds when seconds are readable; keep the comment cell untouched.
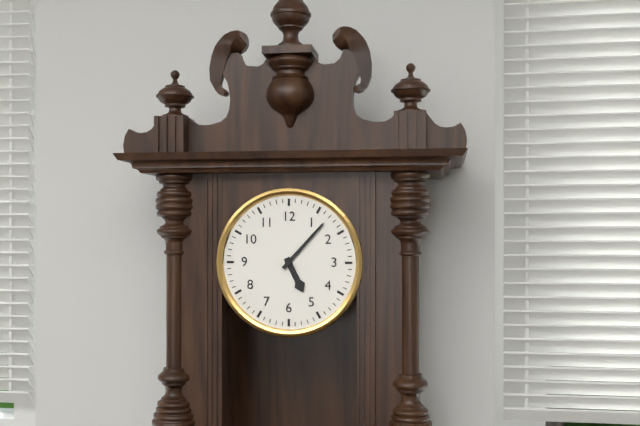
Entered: 5,07
